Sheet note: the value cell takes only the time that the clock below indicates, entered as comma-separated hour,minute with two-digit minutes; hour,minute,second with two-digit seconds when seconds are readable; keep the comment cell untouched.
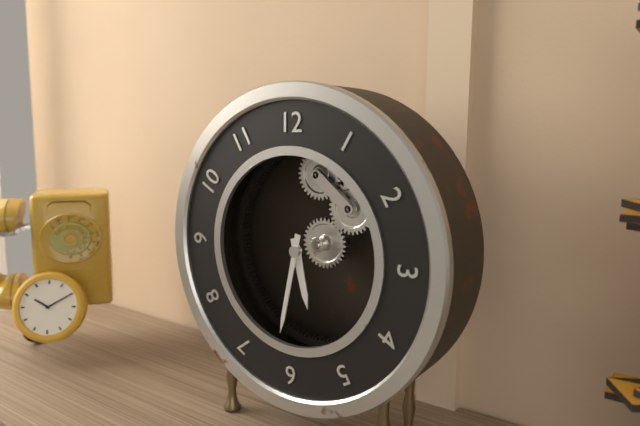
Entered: 5,32
